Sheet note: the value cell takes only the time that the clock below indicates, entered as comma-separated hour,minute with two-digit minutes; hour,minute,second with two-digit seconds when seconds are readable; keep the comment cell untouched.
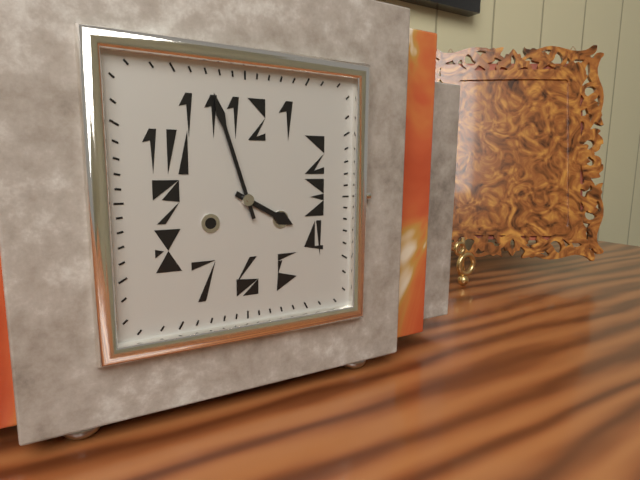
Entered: 3,57
